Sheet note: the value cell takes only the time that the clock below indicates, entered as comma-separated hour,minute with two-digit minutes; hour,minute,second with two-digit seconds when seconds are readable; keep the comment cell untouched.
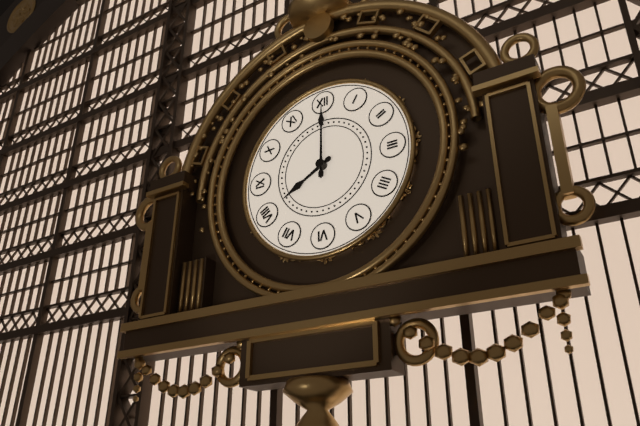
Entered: 8,00
